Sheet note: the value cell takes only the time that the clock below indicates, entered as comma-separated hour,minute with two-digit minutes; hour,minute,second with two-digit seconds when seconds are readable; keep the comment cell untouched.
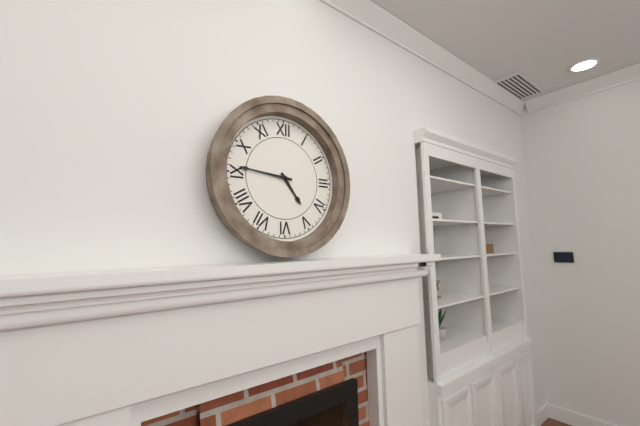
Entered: 4,46
